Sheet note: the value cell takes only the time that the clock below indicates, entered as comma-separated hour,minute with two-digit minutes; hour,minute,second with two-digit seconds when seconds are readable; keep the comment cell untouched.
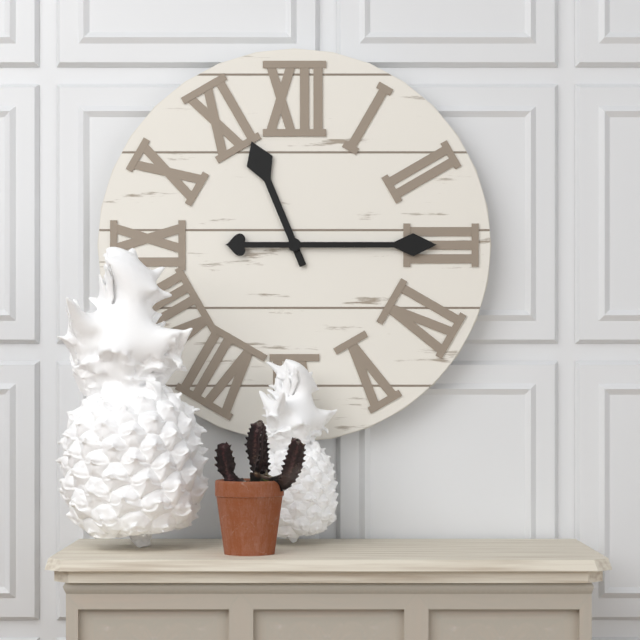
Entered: 11,15
